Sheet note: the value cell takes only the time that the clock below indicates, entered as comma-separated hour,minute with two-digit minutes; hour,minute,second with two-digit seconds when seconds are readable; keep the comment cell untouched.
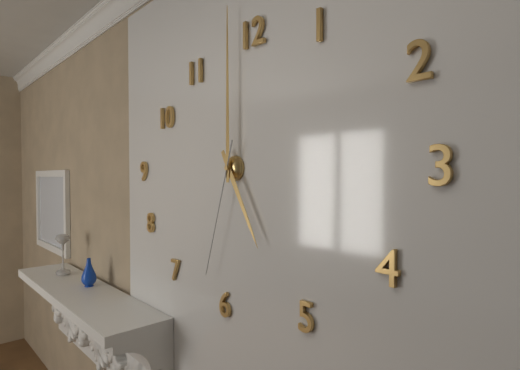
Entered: 5,00,33
